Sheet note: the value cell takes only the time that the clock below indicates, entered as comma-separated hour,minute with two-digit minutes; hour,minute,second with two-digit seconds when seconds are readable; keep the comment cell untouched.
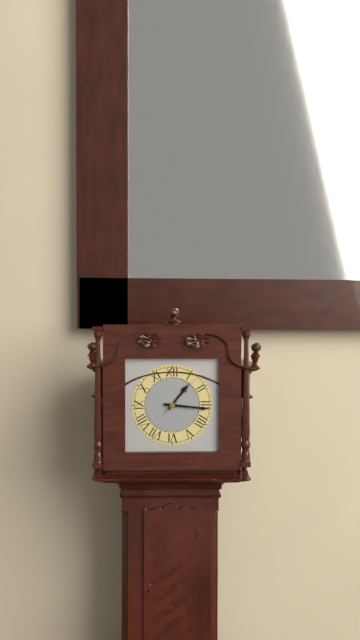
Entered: 1,16
